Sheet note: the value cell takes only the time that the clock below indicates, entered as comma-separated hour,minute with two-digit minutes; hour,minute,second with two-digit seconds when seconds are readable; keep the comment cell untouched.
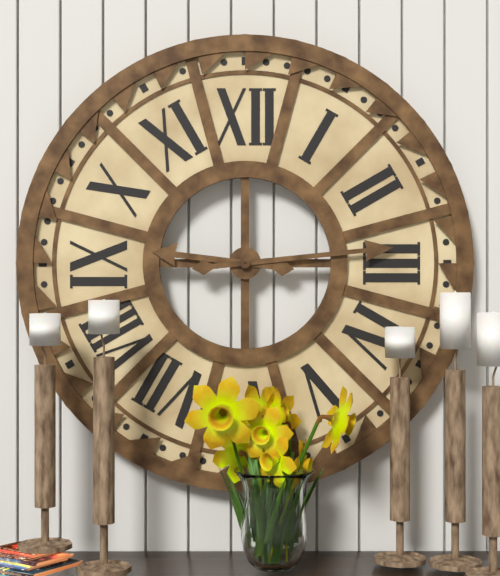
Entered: 9,14
